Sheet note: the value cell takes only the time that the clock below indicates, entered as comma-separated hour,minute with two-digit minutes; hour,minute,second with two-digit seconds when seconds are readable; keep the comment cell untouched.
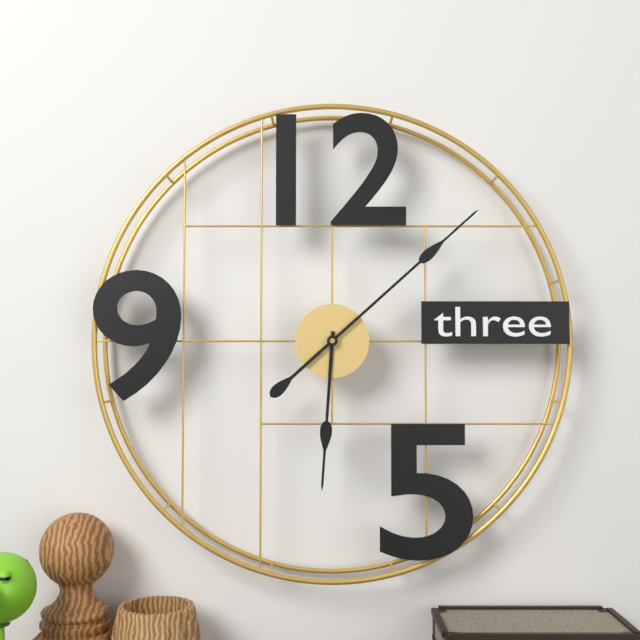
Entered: 6,08
